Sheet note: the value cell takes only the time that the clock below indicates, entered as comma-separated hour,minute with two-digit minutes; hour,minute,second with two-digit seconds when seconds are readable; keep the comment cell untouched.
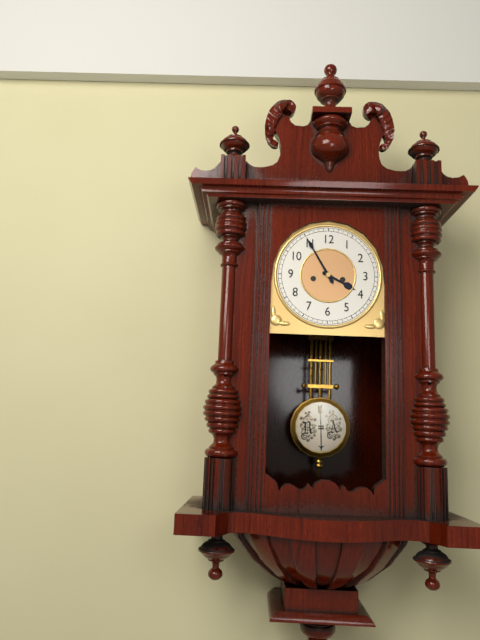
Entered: 3,55
